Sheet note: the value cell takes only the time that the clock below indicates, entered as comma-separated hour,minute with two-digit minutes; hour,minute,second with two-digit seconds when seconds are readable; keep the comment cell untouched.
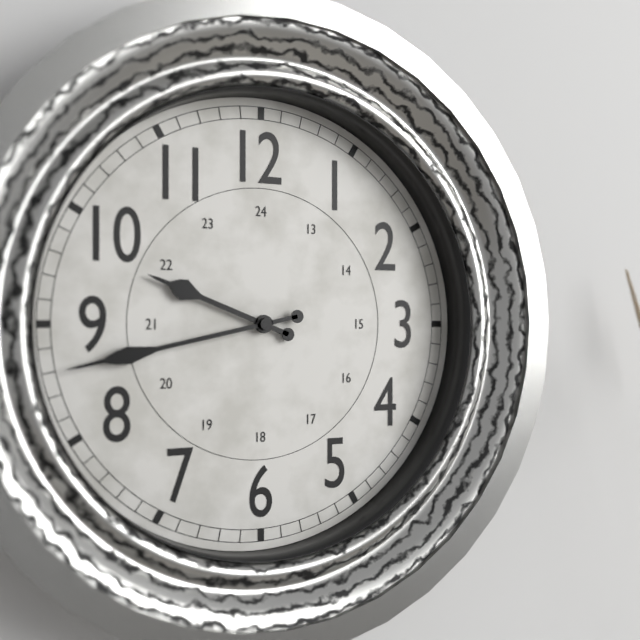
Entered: 9,43
